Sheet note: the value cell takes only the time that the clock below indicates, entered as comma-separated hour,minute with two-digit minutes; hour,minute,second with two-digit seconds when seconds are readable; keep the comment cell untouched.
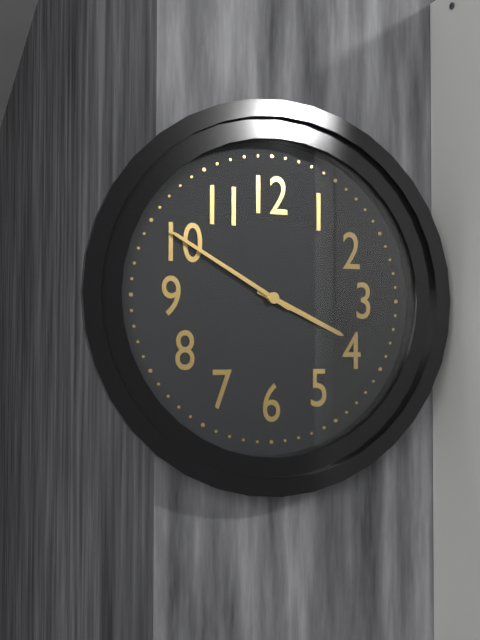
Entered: 3,50
